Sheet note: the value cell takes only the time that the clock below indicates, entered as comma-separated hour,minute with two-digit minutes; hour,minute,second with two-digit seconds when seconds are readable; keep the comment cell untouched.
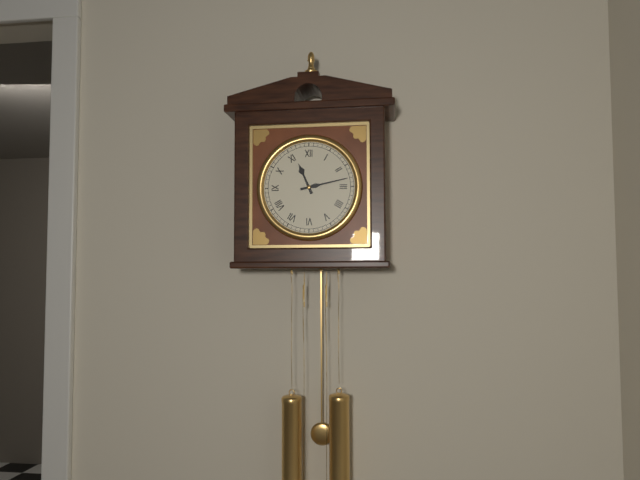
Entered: 11,13
